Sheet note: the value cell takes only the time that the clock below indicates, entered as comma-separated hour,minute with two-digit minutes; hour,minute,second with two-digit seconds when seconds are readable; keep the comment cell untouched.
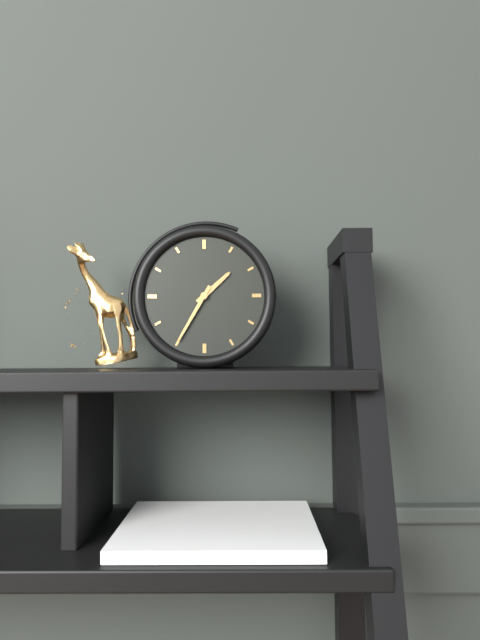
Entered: 1,35
